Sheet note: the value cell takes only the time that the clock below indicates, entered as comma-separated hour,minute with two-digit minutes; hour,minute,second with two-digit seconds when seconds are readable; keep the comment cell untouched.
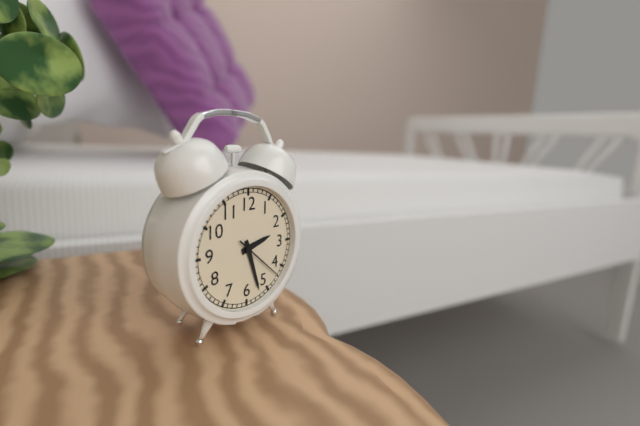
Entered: 2,27
